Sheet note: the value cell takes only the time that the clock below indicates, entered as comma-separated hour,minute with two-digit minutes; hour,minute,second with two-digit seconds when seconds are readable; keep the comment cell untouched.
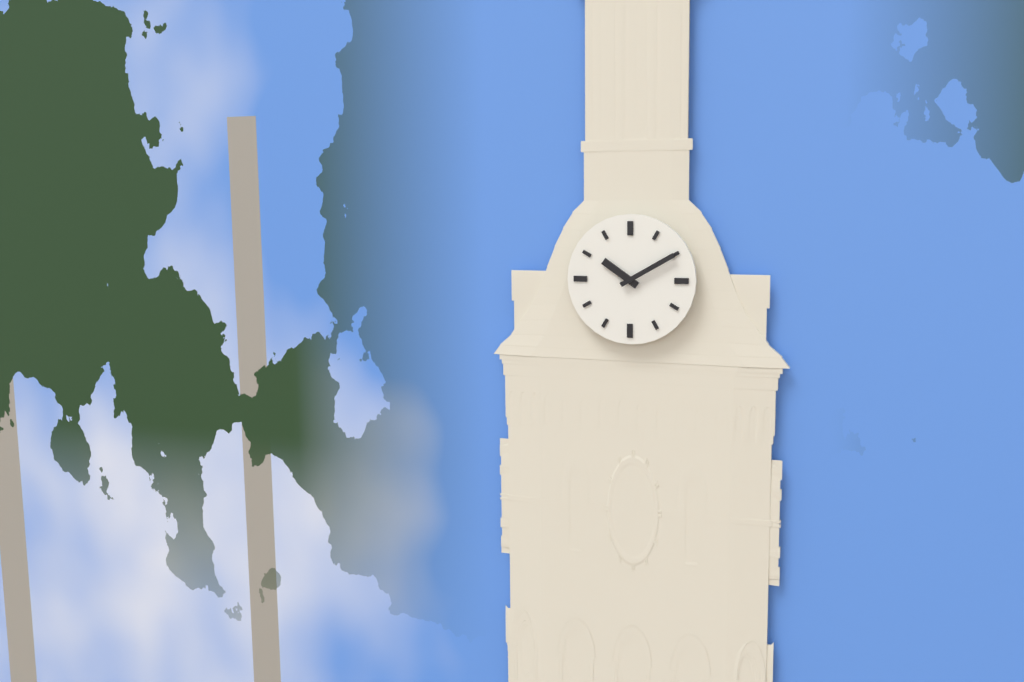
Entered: 10,10
